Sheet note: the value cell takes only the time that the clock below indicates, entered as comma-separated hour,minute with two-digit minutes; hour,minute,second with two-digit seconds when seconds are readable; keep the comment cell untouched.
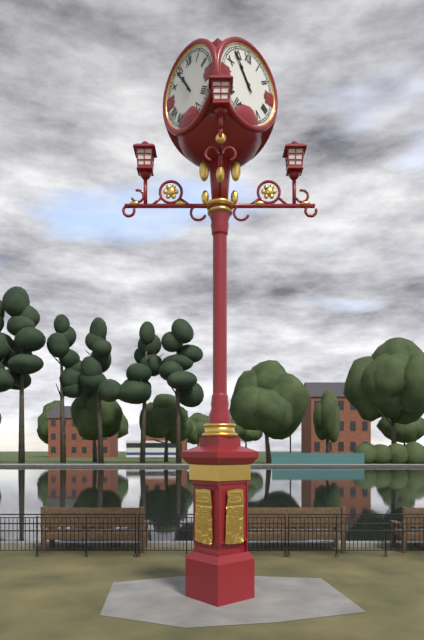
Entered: 10,54
